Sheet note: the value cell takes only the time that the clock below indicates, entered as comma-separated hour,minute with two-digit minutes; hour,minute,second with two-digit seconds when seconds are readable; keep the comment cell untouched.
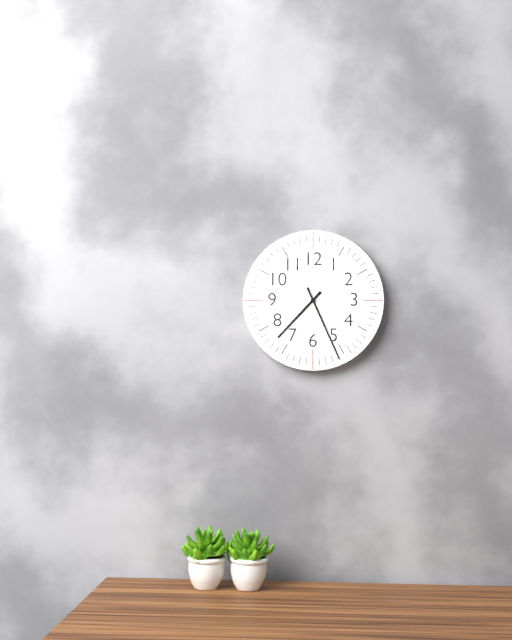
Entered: 7,26
